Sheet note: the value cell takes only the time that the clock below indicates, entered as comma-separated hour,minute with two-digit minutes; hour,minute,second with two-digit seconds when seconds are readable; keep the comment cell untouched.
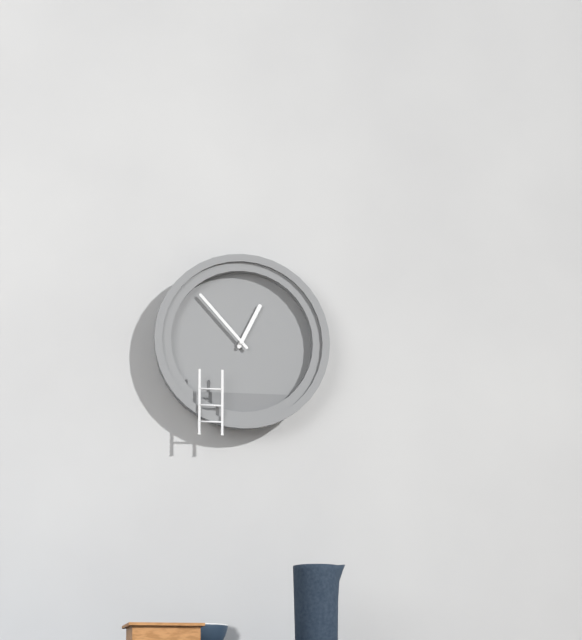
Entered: 12,53
